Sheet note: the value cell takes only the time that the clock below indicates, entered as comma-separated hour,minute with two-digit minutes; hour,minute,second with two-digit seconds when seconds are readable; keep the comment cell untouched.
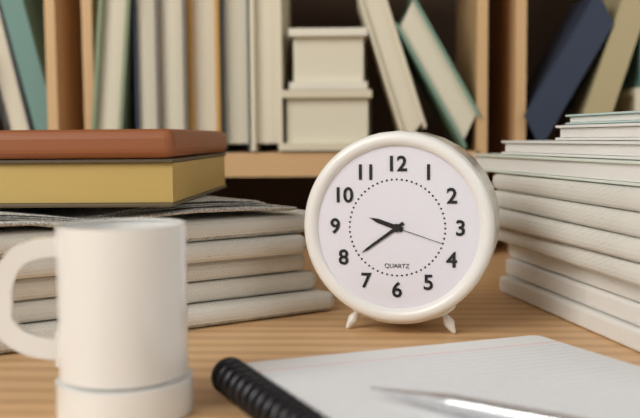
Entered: 9,39,18
